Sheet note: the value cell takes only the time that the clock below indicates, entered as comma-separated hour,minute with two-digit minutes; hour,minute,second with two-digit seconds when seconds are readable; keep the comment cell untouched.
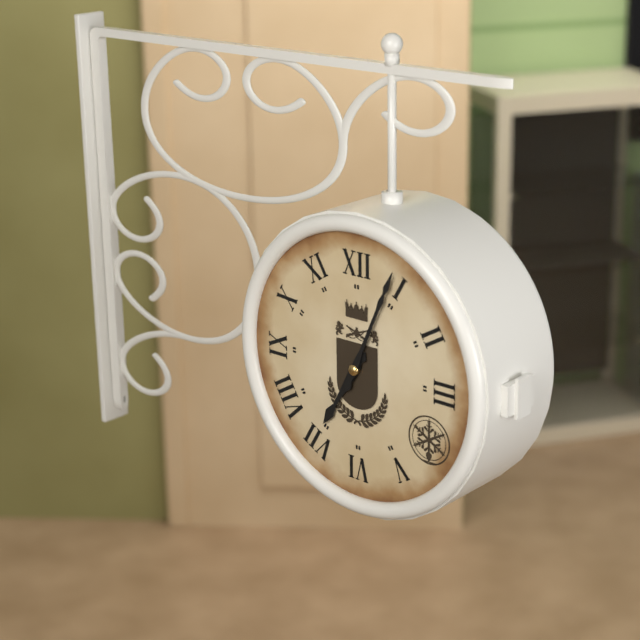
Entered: 7,04
